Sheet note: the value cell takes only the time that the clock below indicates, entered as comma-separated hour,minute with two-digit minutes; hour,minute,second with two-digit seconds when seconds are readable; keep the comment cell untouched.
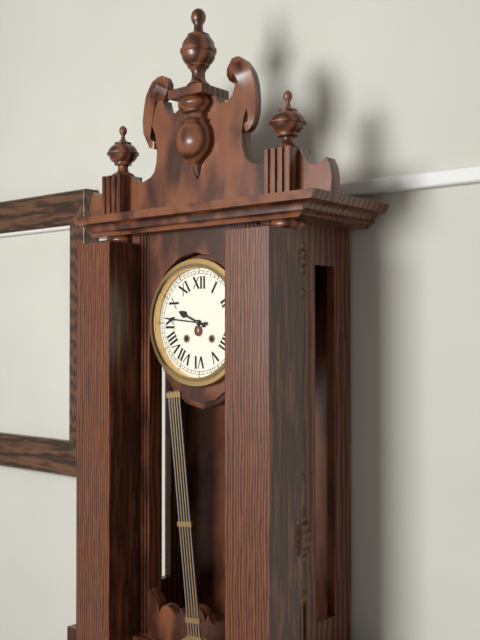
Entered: 9,46
